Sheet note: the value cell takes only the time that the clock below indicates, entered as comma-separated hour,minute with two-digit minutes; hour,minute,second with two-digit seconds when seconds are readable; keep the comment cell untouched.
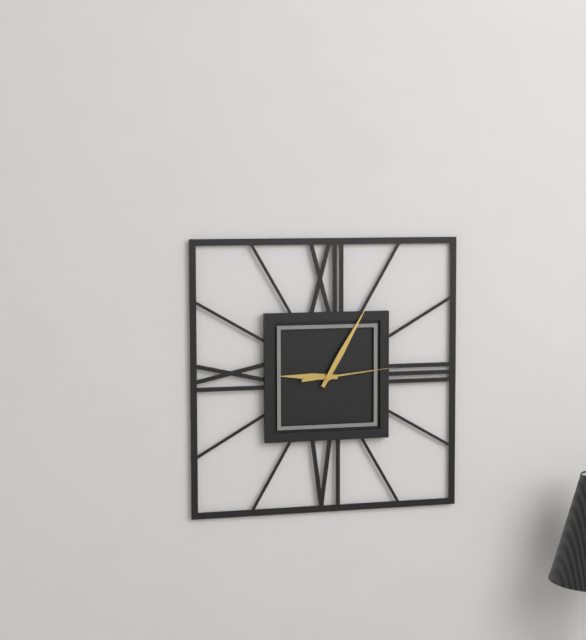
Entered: 9,05,14
